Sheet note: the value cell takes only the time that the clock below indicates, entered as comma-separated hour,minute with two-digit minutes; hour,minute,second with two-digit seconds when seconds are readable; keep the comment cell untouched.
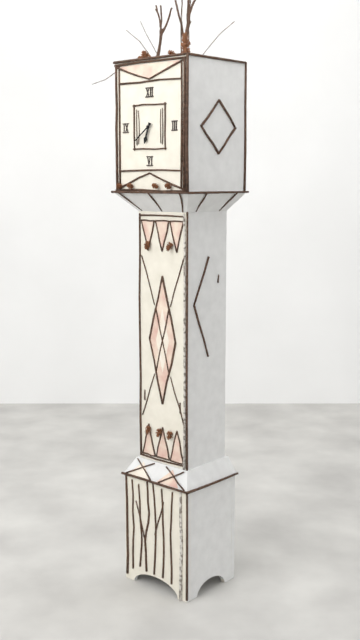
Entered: 6,39
